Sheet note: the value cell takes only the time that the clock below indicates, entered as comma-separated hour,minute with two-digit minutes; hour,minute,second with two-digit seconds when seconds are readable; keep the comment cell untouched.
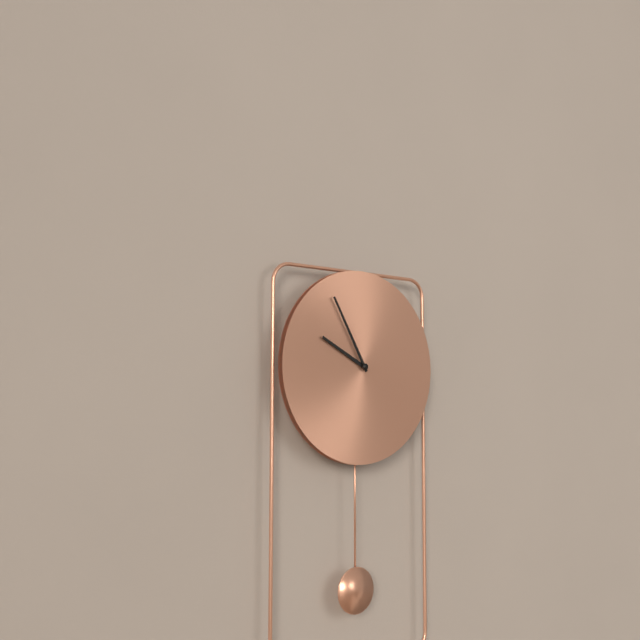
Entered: 9,55
